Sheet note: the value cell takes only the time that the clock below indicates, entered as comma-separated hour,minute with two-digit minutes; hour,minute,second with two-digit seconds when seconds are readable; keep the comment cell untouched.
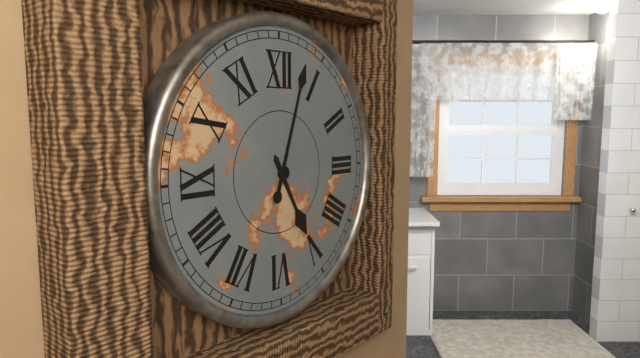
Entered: 5,03
